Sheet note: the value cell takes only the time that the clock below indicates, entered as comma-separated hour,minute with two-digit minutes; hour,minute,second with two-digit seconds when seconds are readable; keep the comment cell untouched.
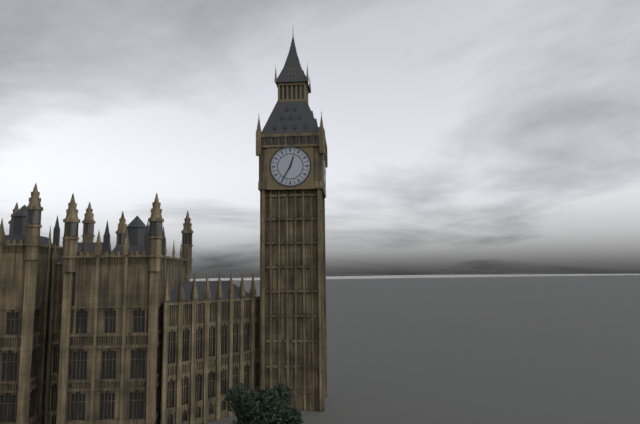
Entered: 12,35
